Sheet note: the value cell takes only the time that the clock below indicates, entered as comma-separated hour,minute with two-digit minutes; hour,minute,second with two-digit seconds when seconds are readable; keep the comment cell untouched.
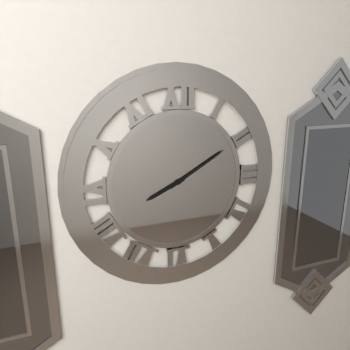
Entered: 8,10
